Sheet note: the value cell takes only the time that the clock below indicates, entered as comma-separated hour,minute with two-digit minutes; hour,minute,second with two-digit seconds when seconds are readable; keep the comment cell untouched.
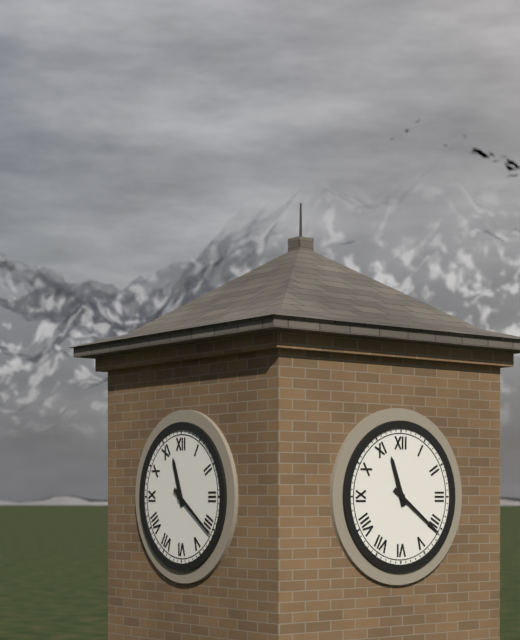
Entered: 11,21
